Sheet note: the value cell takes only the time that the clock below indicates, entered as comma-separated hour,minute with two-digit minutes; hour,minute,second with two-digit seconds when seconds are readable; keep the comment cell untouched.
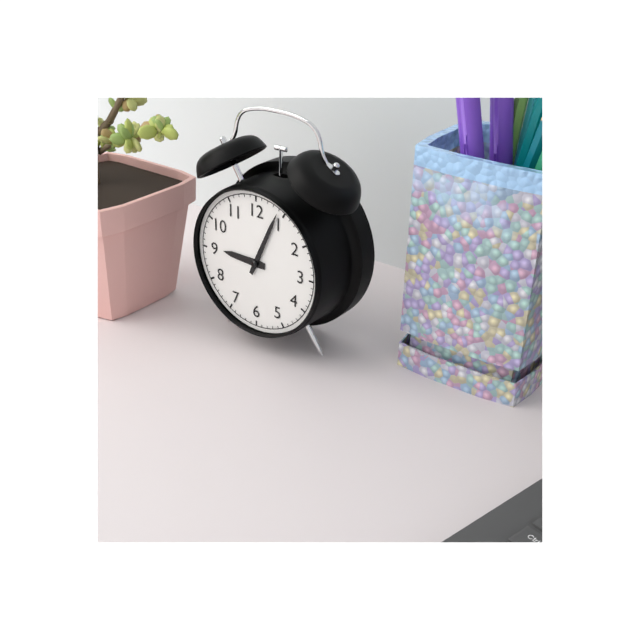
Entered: 9,04
